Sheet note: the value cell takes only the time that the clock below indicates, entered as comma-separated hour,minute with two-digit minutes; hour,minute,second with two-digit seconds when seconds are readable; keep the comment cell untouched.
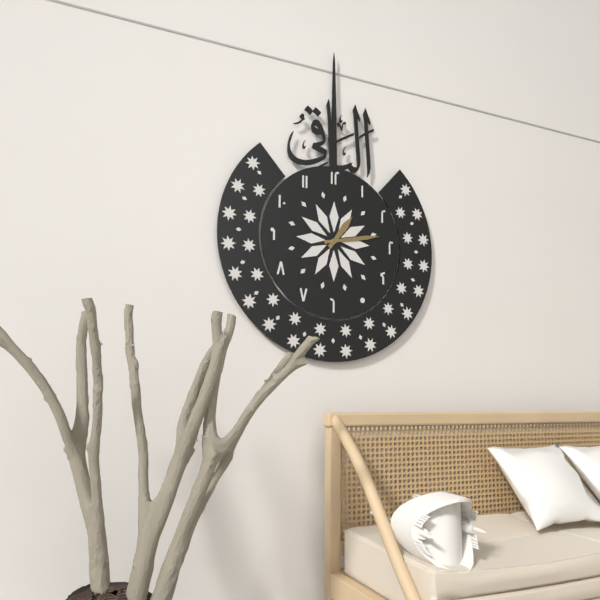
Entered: 1,13
